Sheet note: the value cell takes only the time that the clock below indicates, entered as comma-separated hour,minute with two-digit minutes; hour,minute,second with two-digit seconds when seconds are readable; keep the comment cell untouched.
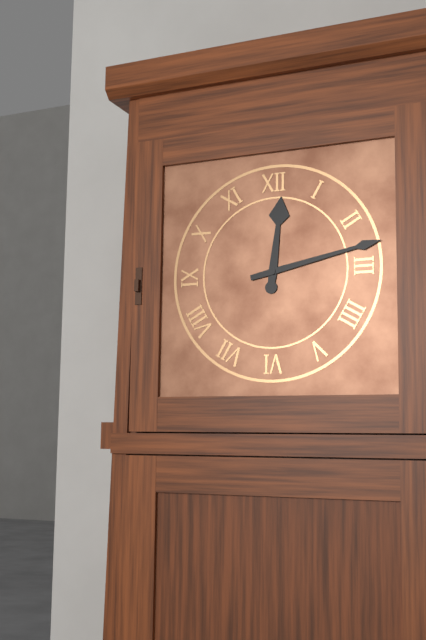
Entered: 12,13
